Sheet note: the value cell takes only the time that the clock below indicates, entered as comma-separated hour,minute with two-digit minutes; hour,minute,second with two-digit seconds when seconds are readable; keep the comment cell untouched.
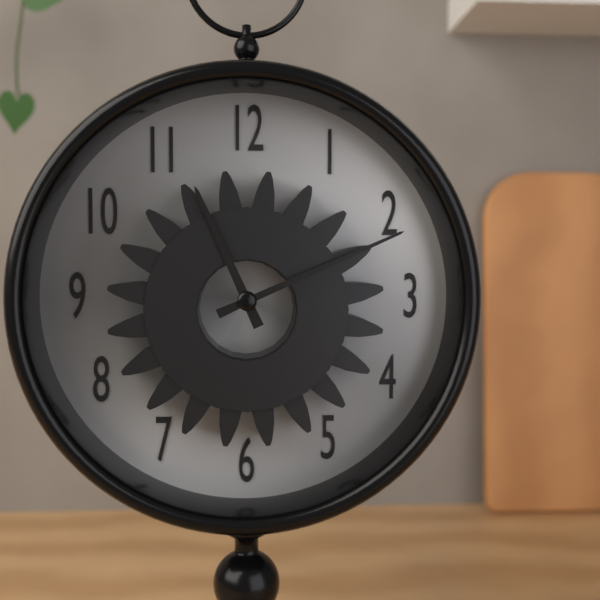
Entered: 11,11
